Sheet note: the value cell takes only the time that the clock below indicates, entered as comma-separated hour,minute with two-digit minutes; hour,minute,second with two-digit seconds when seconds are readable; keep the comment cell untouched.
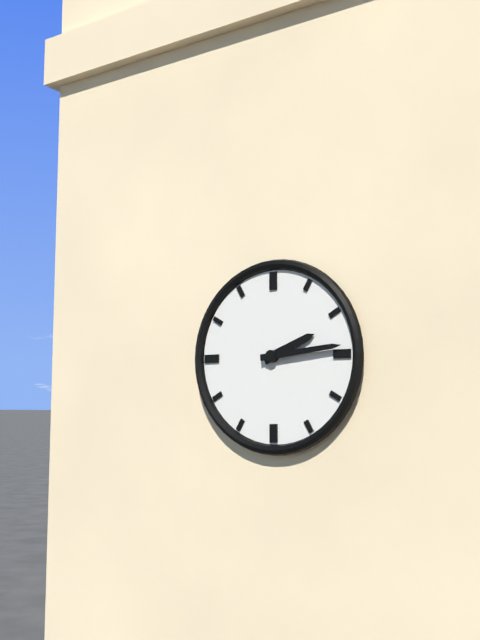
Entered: 2,14
